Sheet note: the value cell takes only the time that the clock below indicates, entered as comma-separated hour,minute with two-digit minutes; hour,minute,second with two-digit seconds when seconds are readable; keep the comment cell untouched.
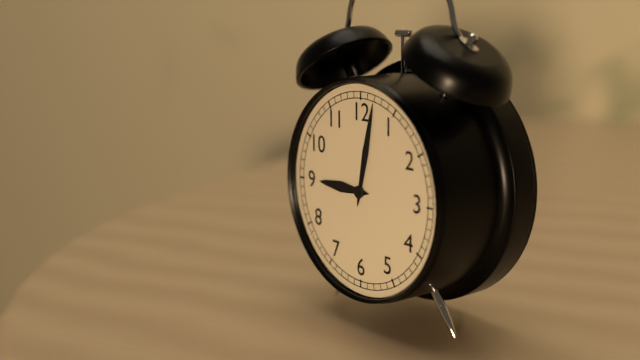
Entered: 9,02
